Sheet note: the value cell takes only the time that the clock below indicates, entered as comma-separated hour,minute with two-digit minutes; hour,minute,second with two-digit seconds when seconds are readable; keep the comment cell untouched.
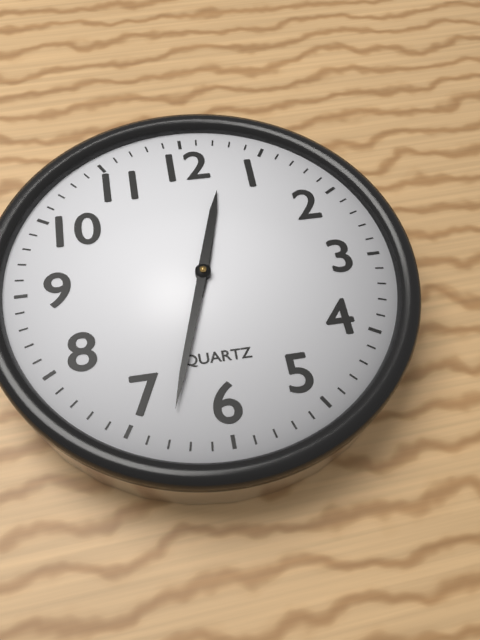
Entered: 12,33
